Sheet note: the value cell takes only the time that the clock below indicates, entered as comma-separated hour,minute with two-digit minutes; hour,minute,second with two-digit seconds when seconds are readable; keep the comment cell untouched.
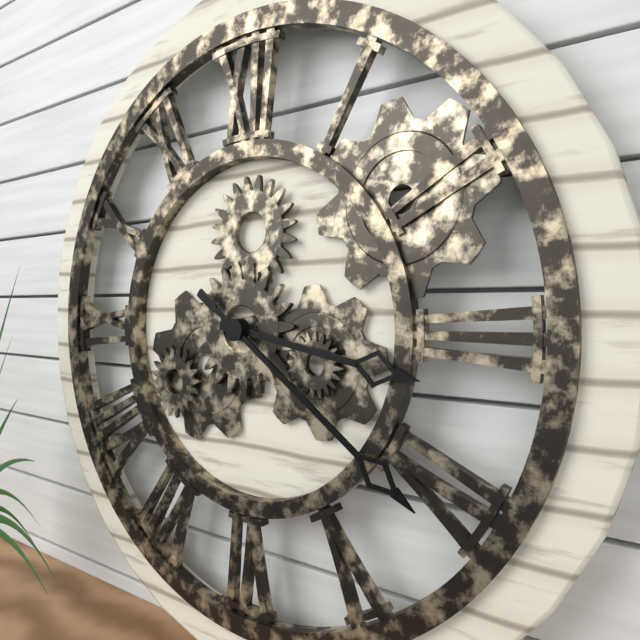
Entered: 3,21
